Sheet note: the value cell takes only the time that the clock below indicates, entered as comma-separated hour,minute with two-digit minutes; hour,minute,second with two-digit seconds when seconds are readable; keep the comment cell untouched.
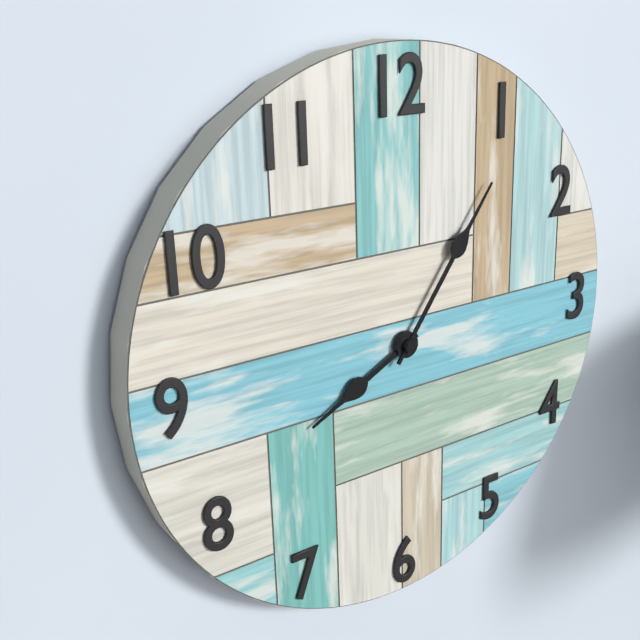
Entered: 8,06
